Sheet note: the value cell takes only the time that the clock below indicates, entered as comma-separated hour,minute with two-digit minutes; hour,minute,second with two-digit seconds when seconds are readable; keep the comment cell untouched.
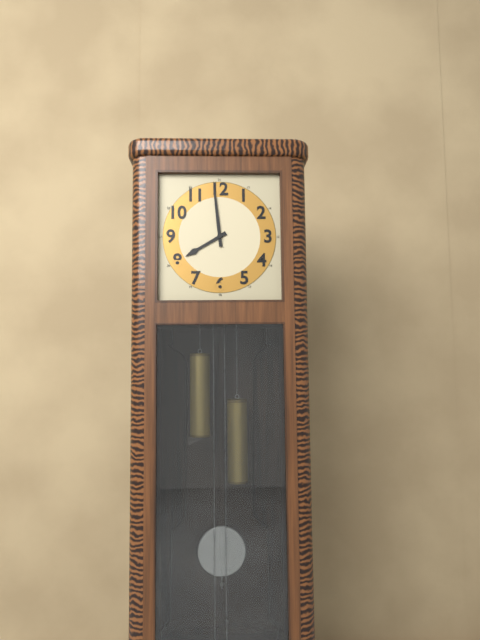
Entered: 7,59
